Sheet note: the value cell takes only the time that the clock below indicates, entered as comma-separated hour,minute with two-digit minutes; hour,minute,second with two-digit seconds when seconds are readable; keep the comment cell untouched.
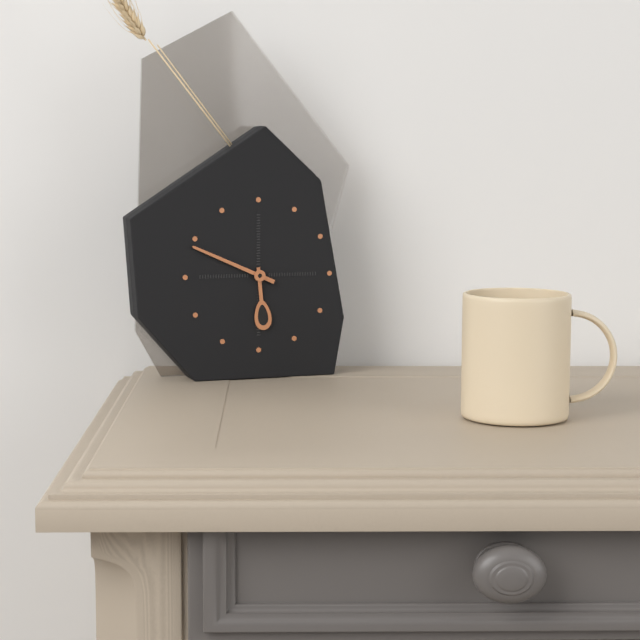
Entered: 5,49
